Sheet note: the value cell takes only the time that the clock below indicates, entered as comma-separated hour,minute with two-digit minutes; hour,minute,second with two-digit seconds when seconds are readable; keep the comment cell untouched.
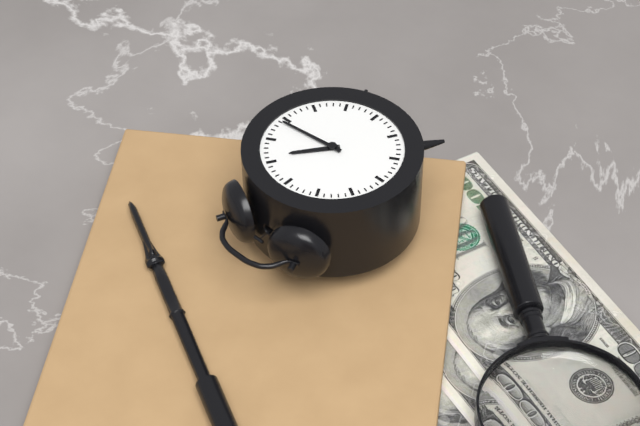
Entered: 1,14
